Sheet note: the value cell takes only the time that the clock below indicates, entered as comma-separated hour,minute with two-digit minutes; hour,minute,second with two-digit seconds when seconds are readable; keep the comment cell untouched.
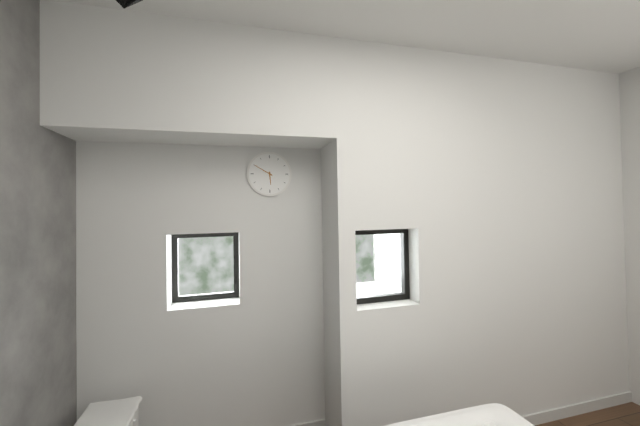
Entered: 5,50
